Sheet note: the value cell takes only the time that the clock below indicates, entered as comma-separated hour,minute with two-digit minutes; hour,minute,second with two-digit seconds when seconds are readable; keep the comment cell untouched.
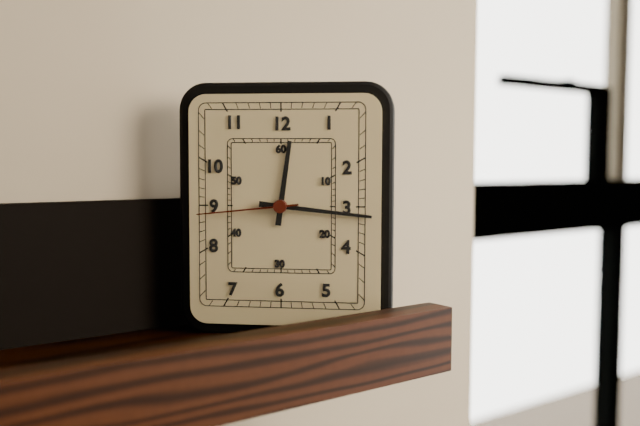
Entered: 12,16,44
